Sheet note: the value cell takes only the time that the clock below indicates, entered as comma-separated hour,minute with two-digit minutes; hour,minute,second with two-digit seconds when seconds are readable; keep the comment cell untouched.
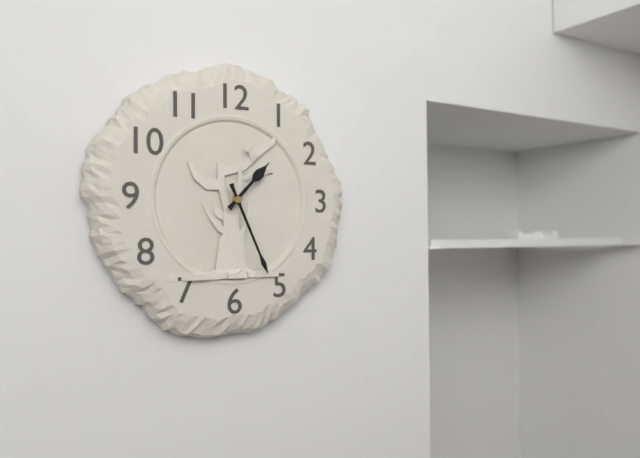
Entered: 1,26
